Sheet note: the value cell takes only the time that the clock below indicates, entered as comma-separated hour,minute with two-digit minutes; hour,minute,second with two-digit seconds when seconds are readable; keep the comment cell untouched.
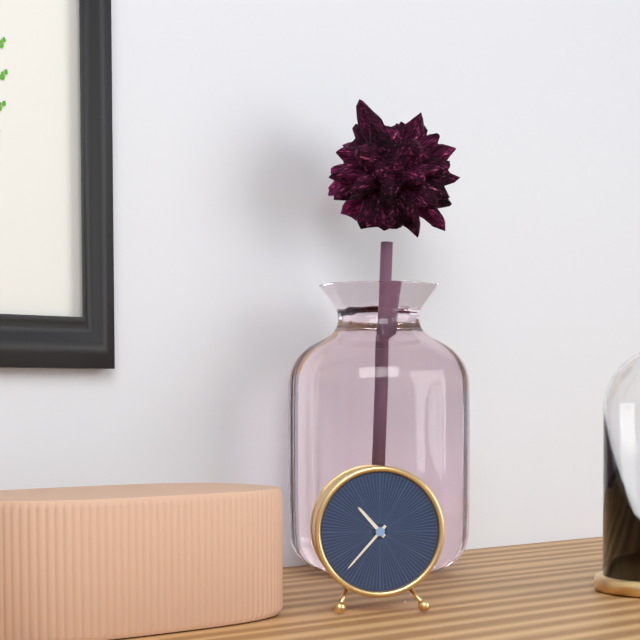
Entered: 10,37
